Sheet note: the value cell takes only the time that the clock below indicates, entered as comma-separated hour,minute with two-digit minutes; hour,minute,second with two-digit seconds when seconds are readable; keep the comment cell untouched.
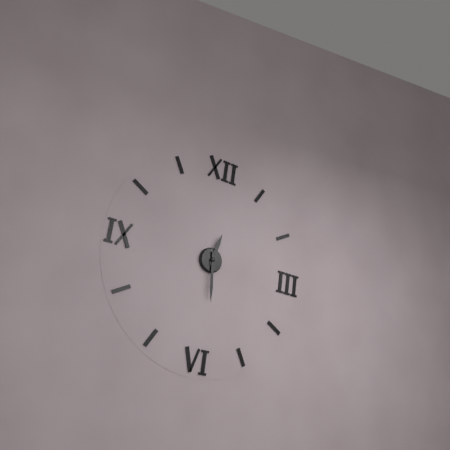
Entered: 12,29
